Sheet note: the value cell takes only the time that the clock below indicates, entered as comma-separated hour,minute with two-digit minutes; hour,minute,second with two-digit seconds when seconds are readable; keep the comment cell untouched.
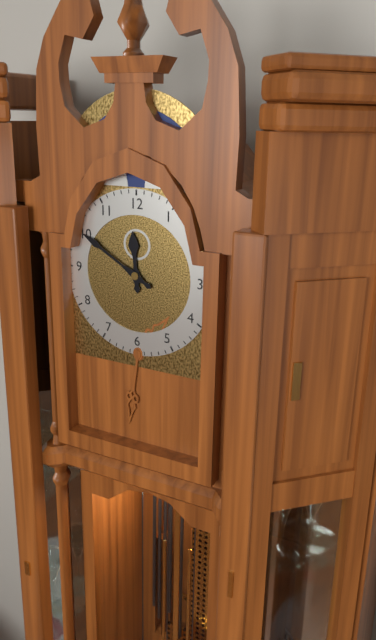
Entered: 11,50
